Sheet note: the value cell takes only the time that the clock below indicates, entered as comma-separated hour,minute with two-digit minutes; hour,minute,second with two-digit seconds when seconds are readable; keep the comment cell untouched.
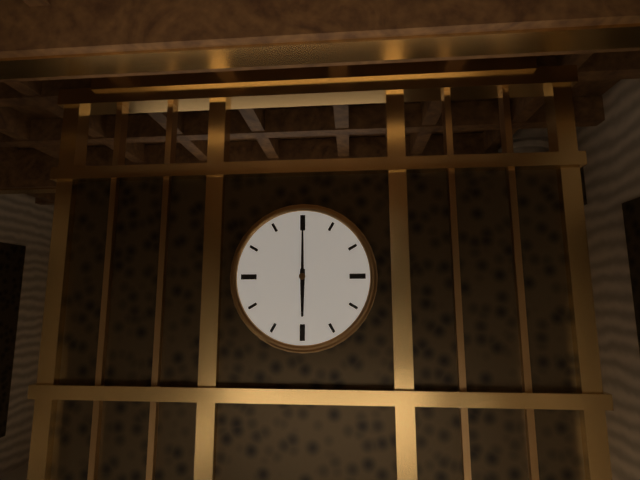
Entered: 6,00
